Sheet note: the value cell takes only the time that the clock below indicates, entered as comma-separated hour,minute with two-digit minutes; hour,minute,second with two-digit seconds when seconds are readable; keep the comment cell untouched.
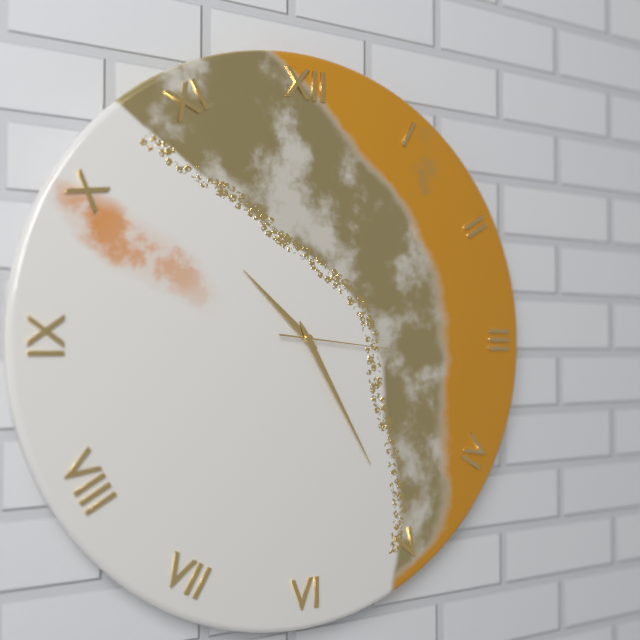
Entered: 10,25,16
